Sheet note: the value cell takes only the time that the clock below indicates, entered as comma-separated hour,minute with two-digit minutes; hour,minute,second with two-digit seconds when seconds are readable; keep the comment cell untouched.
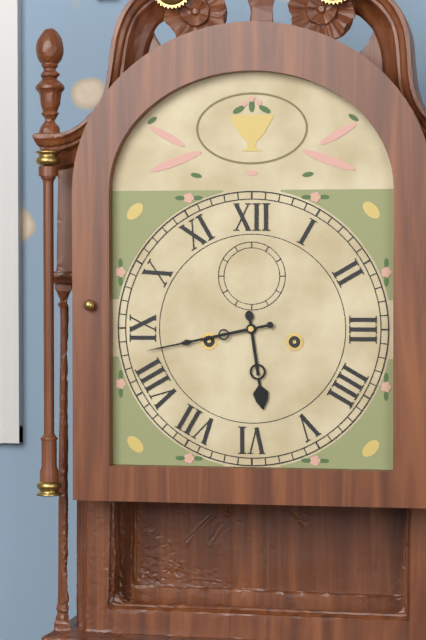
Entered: 5,43
